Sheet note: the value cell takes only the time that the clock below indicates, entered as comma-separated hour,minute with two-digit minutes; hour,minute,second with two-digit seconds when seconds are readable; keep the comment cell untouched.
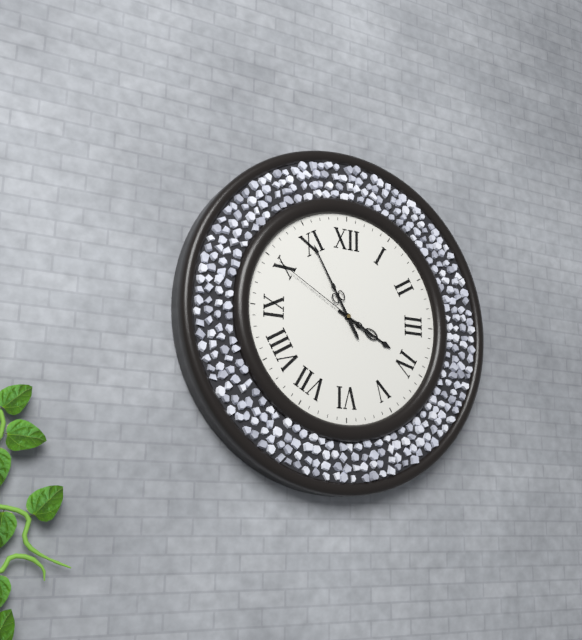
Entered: 3,55,50
